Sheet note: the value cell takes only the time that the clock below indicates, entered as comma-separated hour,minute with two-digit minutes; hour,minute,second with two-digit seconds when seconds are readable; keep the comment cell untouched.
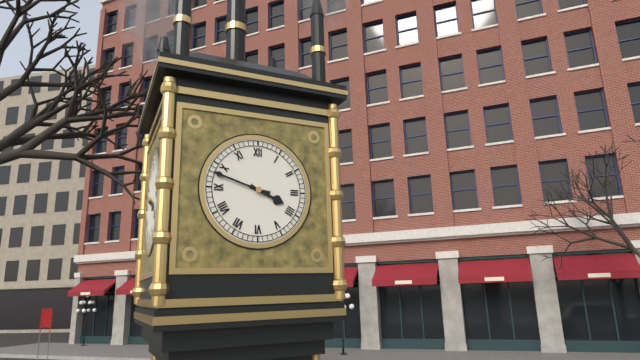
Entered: 3,48
